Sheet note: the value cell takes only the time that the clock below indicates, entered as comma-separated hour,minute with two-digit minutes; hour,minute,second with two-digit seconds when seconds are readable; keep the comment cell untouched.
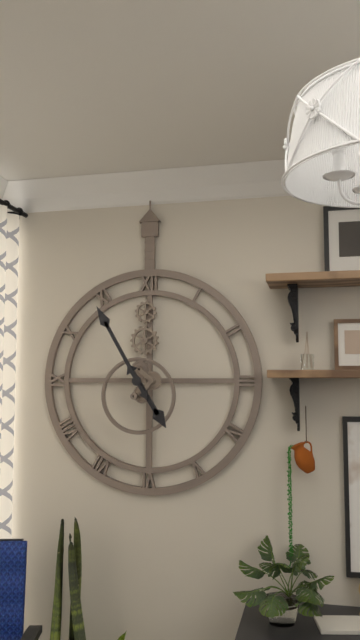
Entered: 4,55
